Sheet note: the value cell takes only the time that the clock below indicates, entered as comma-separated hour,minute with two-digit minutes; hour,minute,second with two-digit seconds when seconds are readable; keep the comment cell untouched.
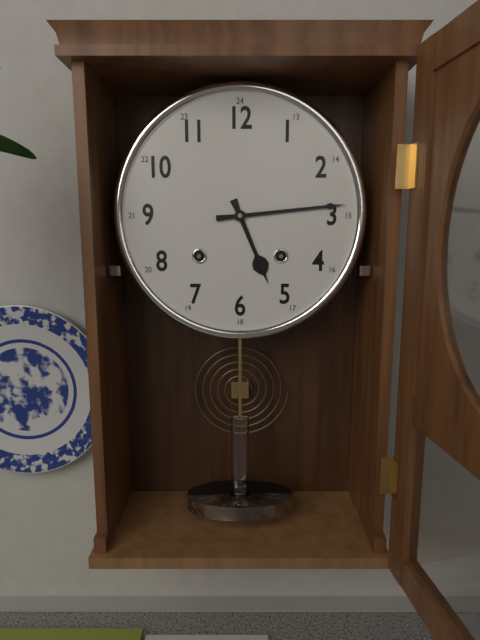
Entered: 5,14
